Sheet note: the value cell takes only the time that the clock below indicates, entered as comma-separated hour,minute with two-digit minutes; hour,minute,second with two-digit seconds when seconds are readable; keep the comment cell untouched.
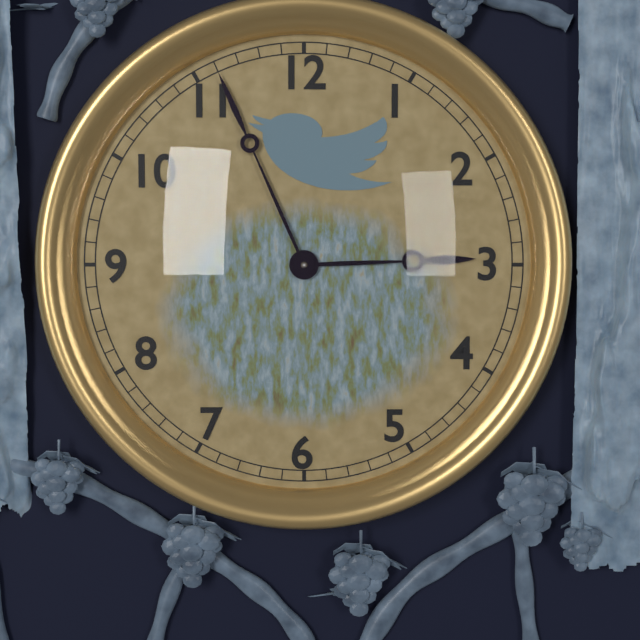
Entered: 2,56
